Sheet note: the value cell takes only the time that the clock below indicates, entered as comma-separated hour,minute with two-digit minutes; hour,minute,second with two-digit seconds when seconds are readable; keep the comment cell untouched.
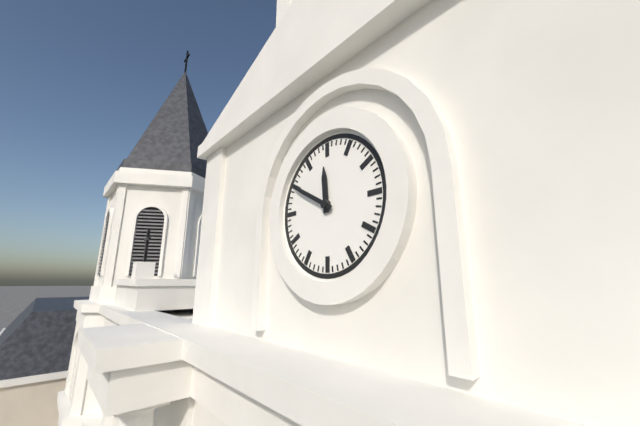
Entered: 11,50
